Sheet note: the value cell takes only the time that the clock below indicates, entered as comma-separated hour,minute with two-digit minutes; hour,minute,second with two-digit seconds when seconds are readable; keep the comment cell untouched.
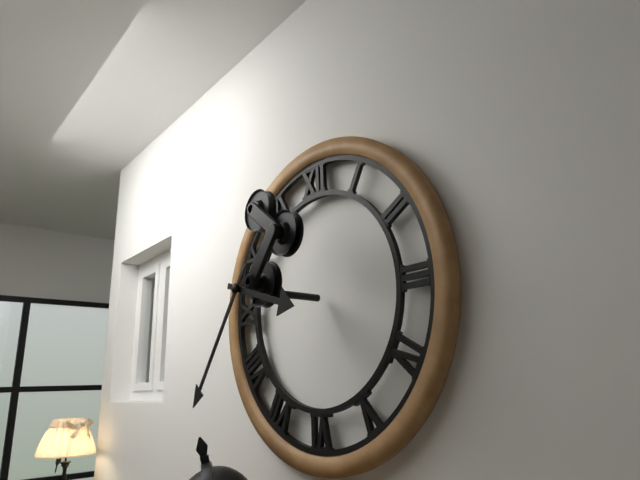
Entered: 3,36
